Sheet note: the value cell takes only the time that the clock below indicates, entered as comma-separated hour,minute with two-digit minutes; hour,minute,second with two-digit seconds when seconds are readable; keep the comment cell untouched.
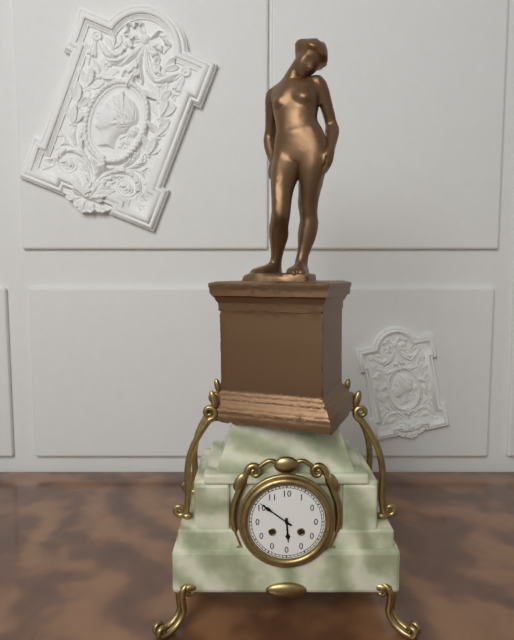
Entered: 5,51
